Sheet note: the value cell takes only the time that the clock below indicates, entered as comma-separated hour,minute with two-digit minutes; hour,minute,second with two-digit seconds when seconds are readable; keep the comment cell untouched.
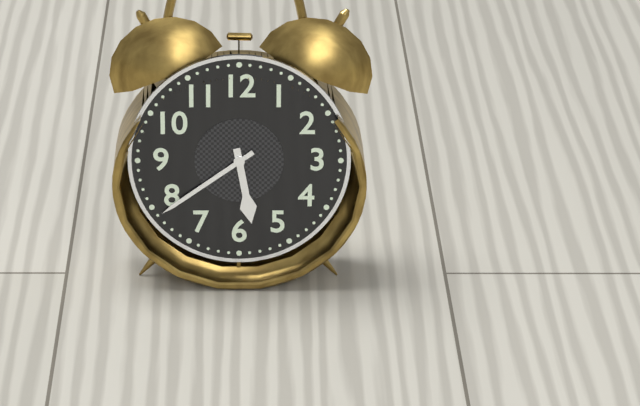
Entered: 5,39
